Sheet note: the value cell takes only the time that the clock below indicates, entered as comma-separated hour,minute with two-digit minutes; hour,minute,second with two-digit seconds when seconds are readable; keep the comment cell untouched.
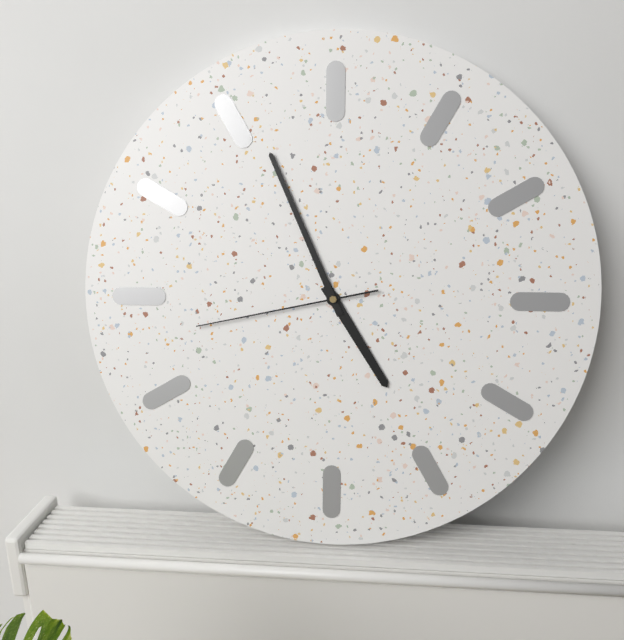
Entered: 4,56,43
